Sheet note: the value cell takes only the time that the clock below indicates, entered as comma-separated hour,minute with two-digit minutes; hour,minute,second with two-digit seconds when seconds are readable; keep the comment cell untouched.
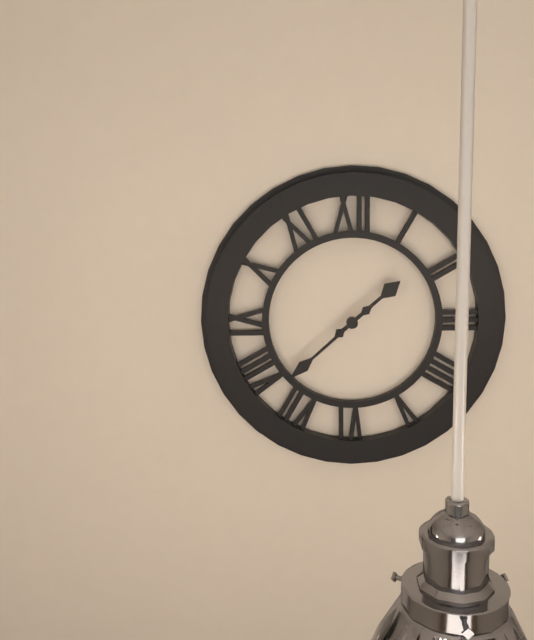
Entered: 1,38
